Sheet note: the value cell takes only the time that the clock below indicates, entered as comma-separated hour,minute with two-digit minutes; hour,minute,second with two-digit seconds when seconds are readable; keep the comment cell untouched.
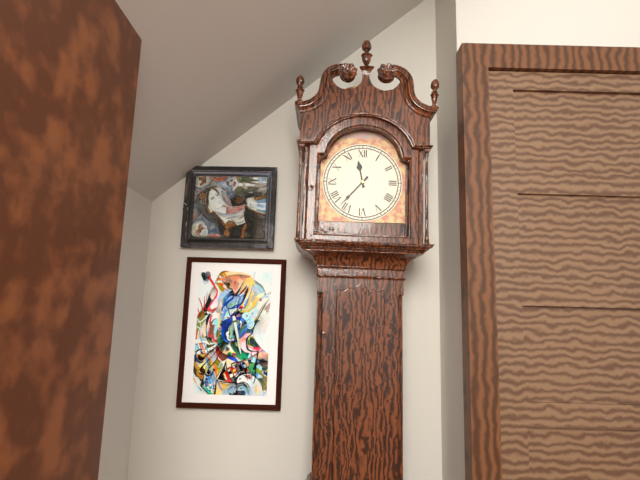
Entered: 11,37
